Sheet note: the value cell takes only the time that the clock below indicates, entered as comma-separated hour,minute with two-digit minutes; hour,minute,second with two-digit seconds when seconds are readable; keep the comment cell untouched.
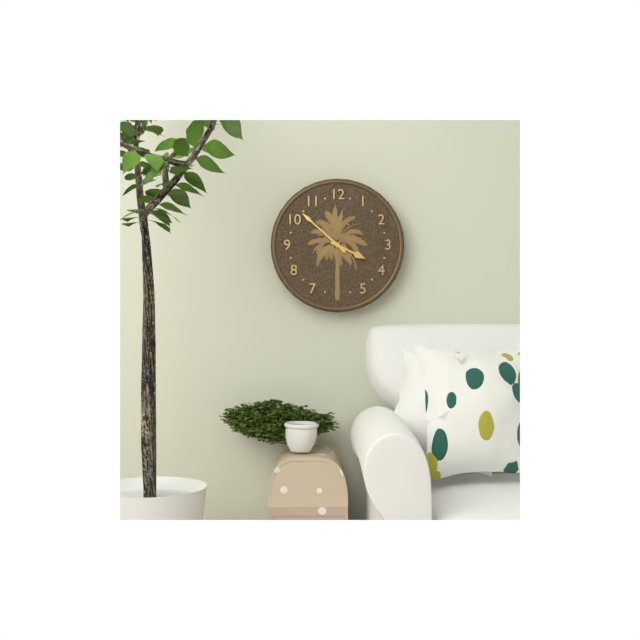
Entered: 3,52
